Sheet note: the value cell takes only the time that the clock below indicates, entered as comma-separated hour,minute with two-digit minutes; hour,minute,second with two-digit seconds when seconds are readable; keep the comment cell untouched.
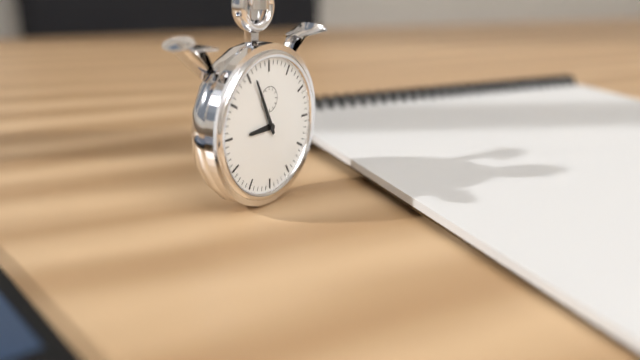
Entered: 8,56
